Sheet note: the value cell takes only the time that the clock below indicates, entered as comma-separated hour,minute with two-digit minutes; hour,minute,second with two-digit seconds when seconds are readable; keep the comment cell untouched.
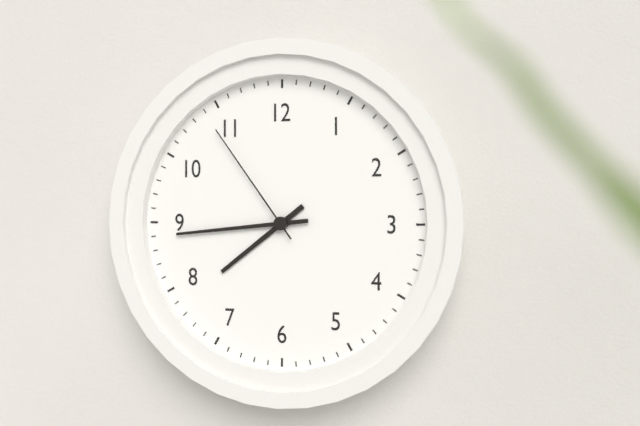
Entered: 7,44,54
